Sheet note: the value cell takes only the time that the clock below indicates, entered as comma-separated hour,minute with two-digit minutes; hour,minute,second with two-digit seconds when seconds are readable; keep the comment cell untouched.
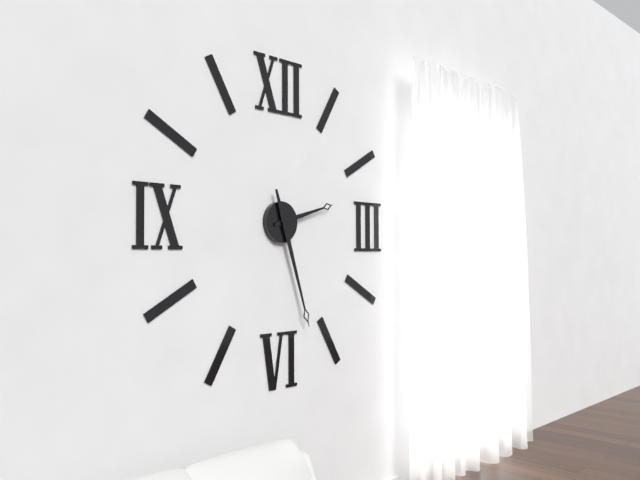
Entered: 2,27
